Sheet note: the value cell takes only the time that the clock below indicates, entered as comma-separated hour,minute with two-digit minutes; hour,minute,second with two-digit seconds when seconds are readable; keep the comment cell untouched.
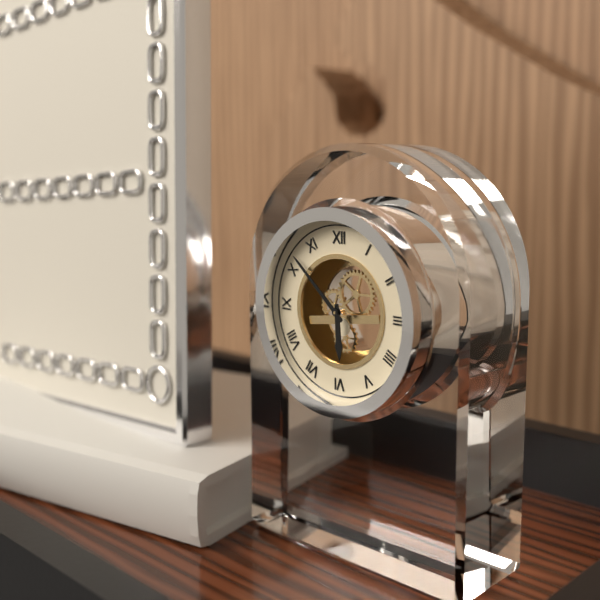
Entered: 5,52
